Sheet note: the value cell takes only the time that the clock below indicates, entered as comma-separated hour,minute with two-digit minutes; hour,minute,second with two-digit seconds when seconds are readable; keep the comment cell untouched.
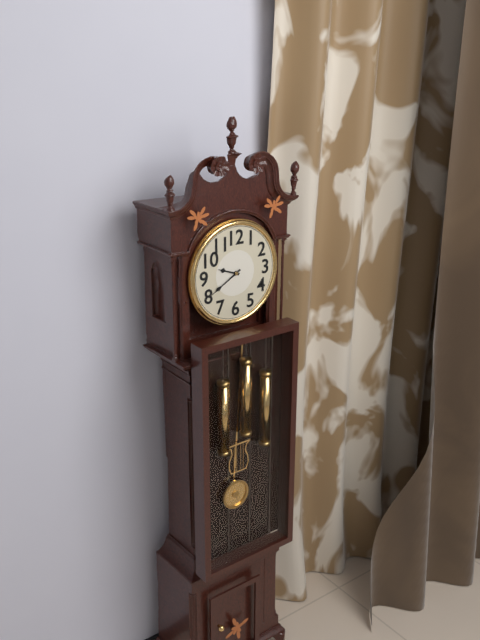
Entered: 9,40
